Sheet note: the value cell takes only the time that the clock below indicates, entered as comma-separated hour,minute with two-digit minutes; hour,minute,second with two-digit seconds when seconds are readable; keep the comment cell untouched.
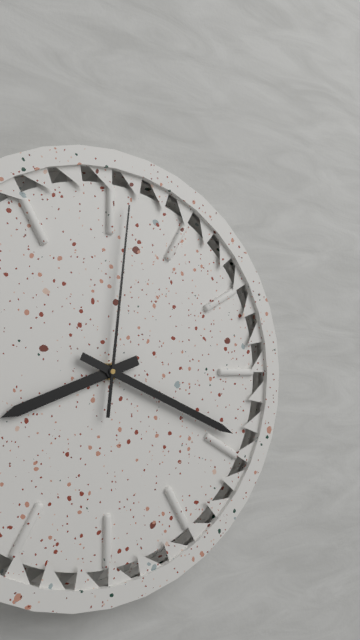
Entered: 8,19,01
